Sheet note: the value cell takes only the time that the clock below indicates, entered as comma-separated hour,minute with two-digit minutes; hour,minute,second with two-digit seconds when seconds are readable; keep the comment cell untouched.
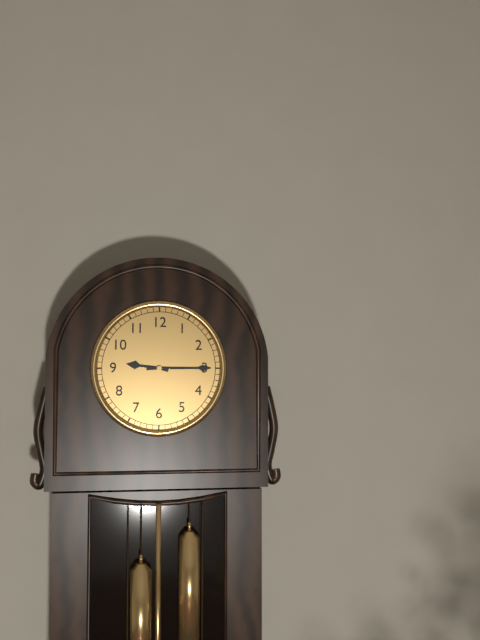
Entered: 9,15
